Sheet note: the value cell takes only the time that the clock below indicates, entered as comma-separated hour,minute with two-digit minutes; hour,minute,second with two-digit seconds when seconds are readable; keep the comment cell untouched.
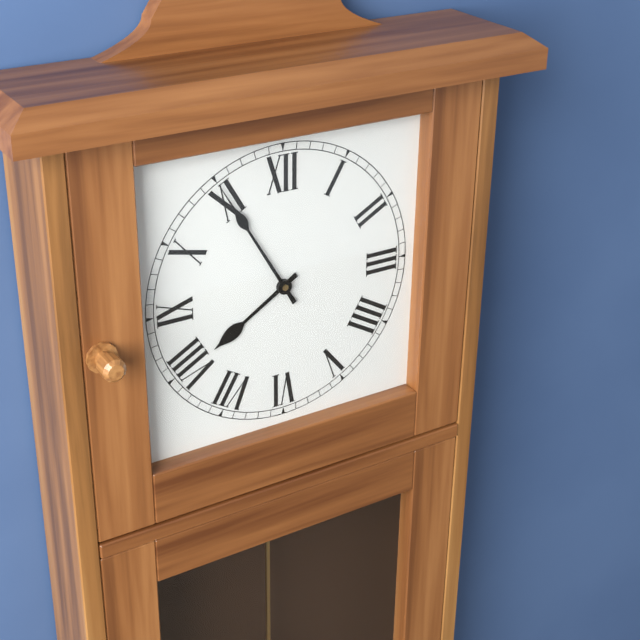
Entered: 7,55
